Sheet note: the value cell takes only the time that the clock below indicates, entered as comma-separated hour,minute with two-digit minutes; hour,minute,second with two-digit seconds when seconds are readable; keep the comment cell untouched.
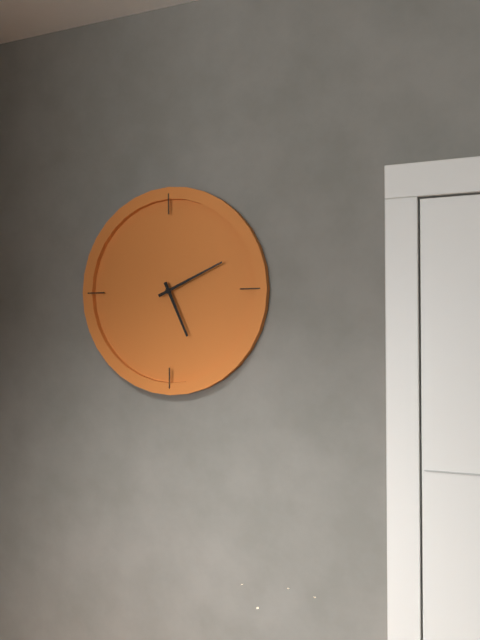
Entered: 5,11
